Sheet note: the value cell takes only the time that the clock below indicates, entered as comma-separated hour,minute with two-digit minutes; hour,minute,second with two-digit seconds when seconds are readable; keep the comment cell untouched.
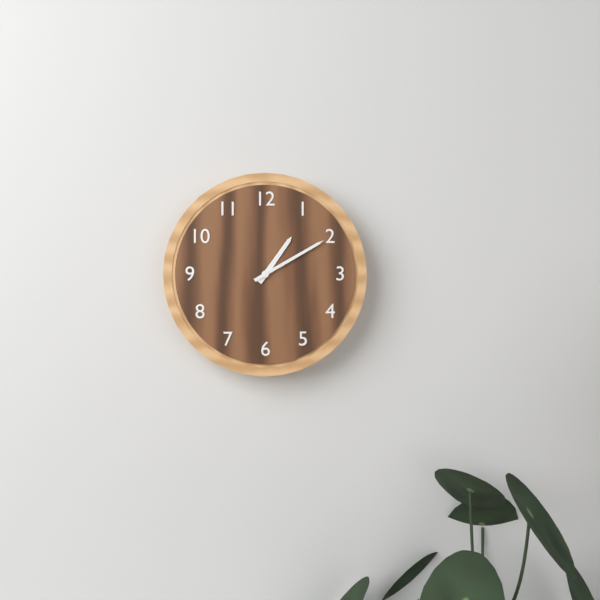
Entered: 1,10
